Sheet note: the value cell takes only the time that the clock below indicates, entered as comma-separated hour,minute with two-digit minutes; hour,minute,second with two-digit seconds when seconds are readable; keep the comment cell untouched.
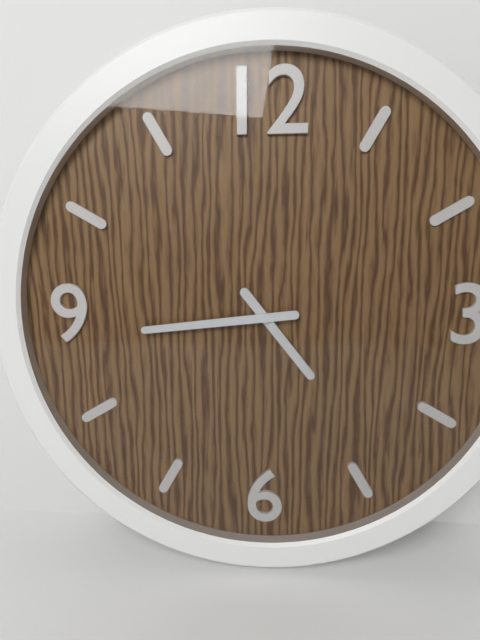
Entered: 4,44
